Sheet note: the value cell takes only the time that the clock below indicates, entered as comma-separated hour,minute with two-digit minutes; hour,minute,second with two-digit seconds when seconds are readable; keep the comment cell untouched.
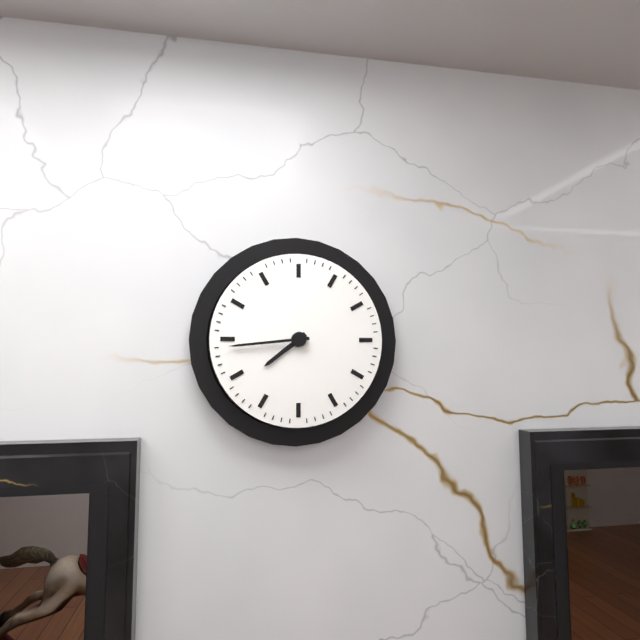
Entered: 7,44
